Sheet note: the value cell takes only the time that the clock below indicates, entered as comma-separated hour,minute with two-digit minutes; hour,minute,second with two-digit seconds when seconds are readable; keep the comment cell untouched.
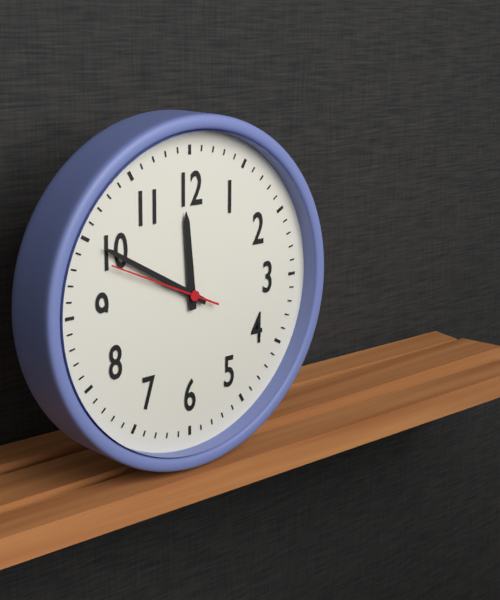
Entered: 11,50,49
